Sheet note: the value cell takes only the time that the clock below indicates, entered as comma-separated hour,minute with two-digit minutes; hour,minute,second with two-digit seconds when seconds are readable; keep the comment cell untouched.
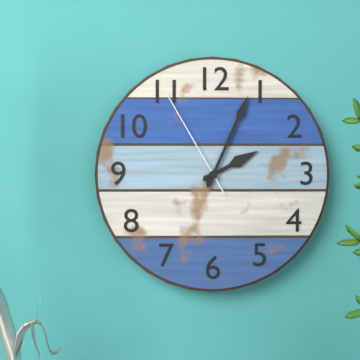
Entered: 2,04,55
